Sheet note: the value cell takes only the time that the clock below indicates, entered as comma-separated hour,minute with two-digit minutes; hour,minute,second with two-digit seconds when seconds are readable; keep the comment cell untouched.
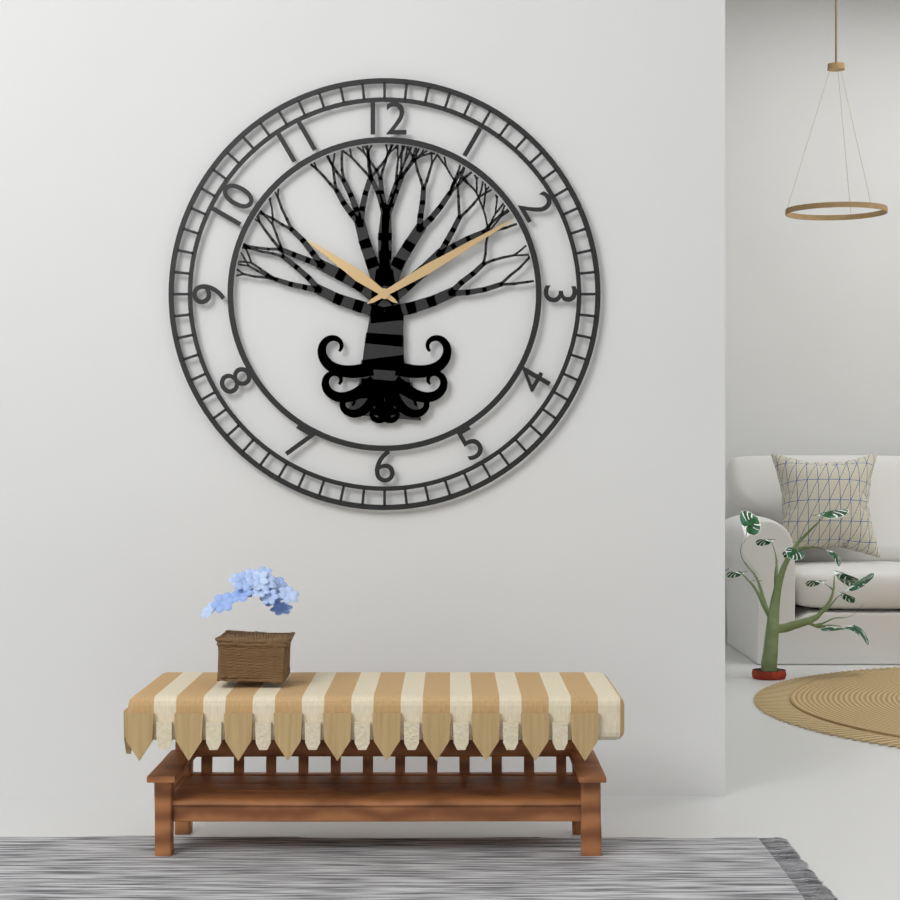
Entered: 10,10
